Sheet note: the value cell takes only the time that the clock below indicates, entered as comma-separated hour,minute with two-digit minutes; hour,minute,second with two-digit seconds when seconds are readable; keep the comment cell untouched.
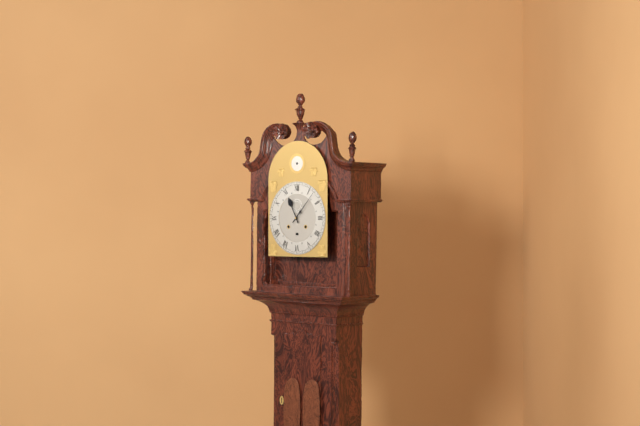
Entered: 11,07
